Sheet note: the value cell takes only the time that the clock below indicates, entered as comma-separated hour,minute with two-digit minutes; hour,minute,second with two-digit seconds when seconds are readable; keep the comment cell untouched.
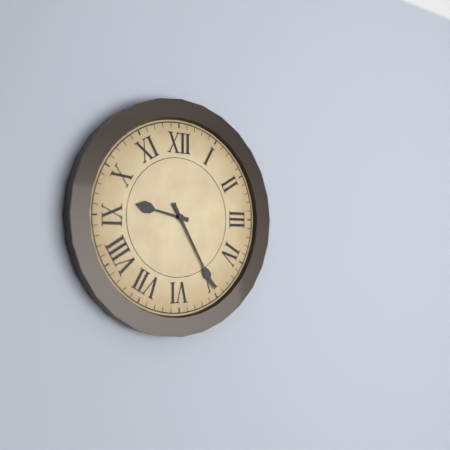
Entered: 9,25
